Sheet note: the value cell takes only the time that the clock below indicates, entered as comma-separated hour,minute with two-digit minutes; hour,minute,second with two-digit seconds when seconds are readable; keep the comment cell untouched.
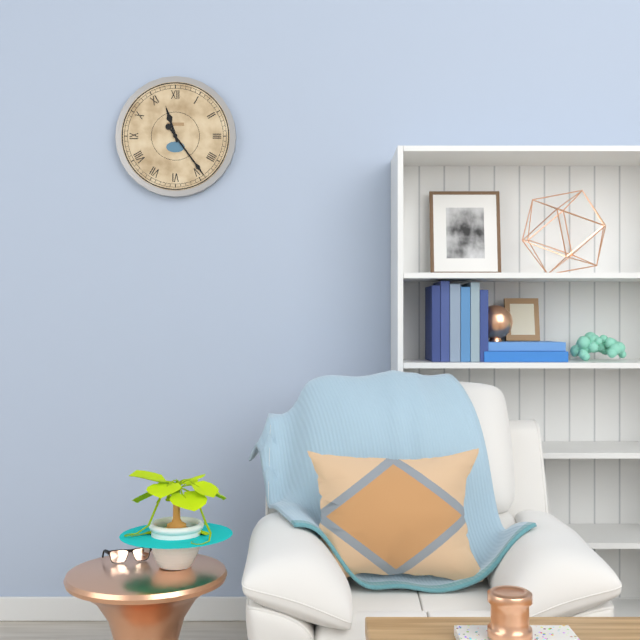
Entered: 11,24
